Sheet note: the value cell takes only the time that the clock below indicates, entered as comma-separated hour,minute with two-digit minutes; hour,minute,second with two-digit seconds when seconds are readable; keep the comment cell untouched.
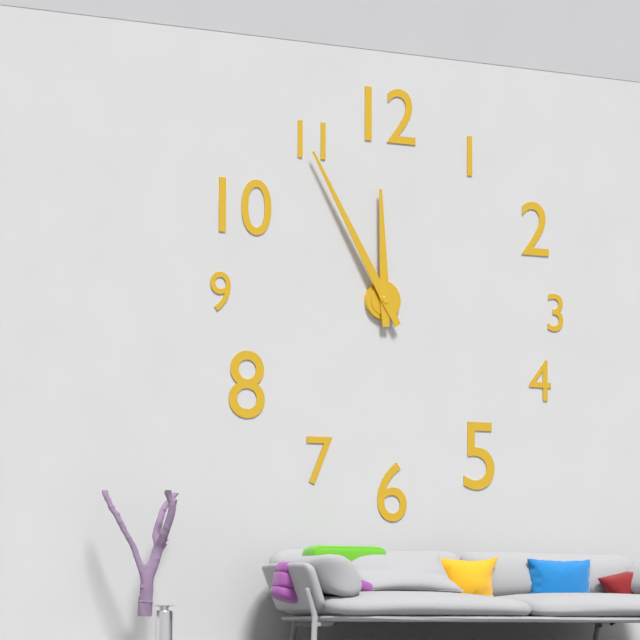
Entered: 11,55
